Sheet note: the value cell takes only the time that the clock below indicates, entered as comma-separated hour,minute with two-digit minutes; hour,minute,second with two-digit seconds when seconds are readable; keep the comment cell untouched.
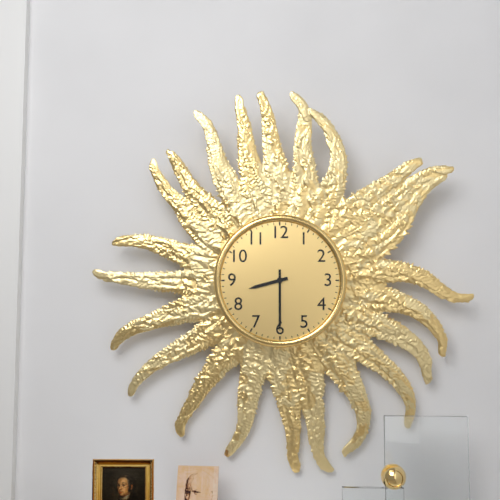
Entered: 8,30
